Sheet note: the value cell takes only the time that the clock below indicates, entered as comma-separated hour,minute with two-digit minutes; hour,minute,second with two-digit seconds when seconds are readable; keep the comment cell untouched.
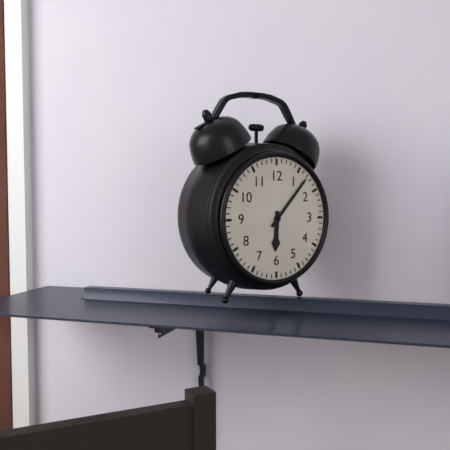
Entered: 6,07
